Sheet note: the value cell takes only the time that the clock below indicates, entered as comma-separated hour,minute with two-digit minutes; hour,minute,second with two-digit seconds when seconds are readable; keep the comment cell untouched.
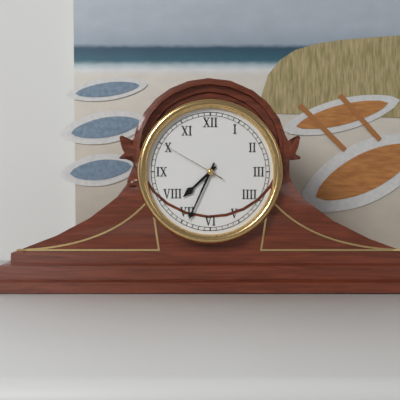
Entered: 7,34,50
